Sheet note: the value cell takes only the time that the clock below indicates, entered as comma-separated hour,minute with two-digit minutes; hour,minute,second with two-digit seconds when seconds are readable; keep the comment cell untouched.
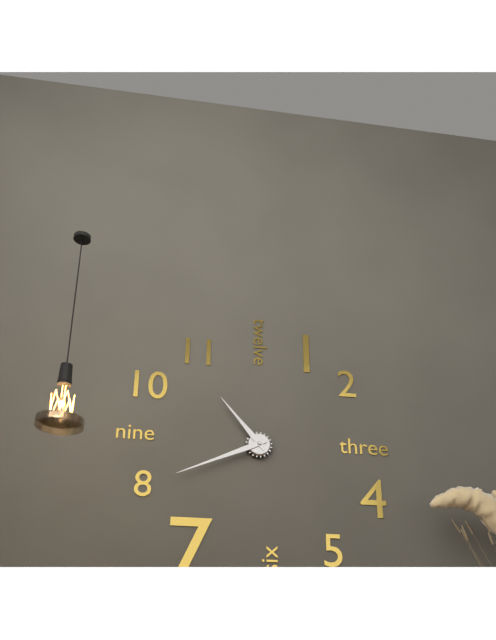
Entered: 10,41
